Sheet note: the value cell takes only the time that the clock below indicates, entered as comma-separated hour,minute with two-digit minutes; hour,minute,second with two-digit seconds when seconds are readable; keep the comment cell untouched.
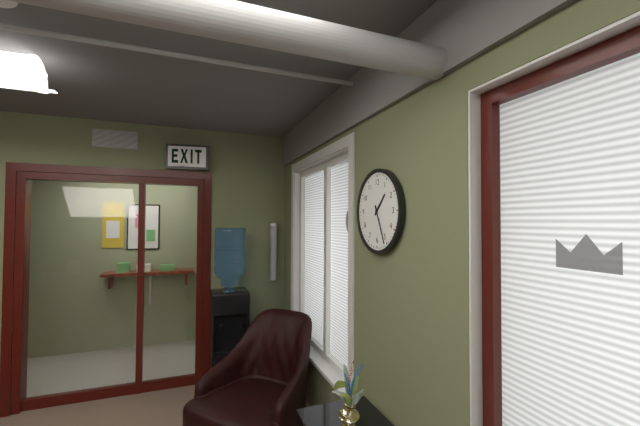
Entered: 1,26
